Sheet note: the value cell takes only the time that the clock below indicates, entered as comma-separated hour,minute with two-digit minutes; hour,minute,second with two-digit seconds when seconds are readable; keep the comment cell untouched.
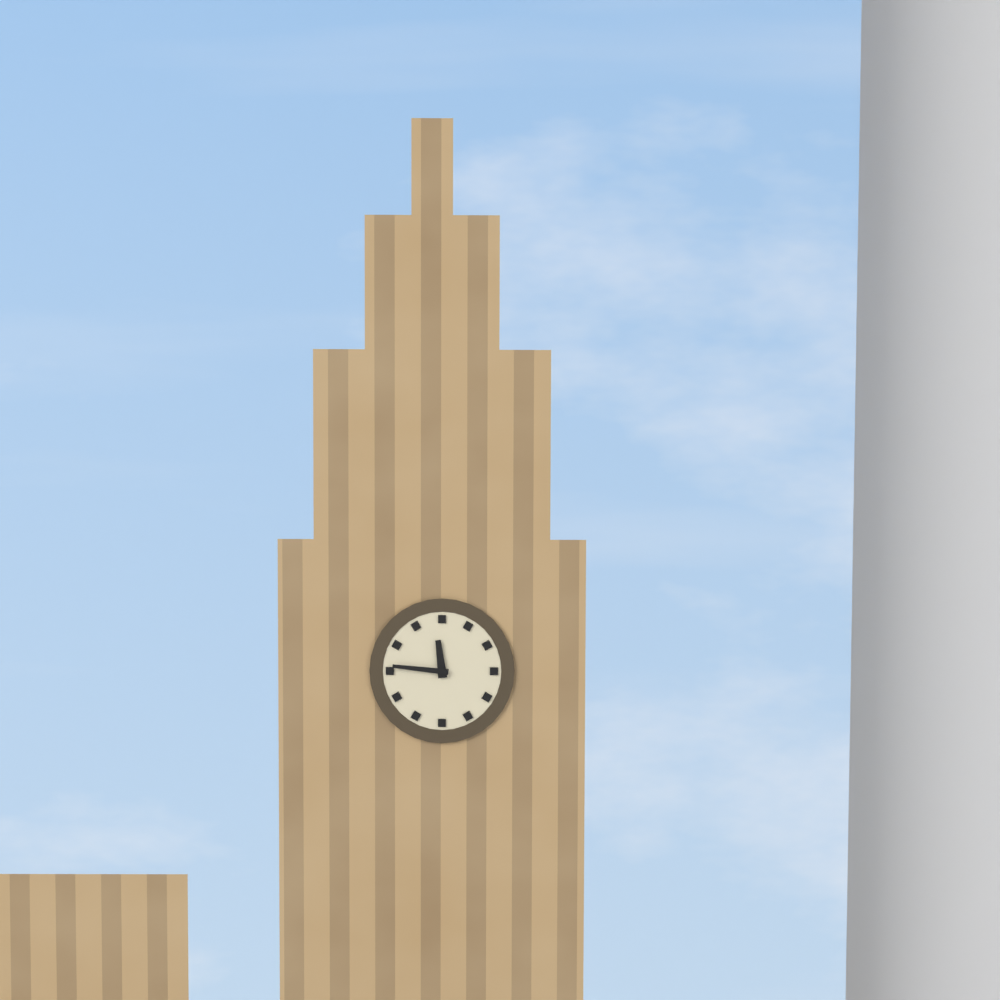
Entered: 11,46
